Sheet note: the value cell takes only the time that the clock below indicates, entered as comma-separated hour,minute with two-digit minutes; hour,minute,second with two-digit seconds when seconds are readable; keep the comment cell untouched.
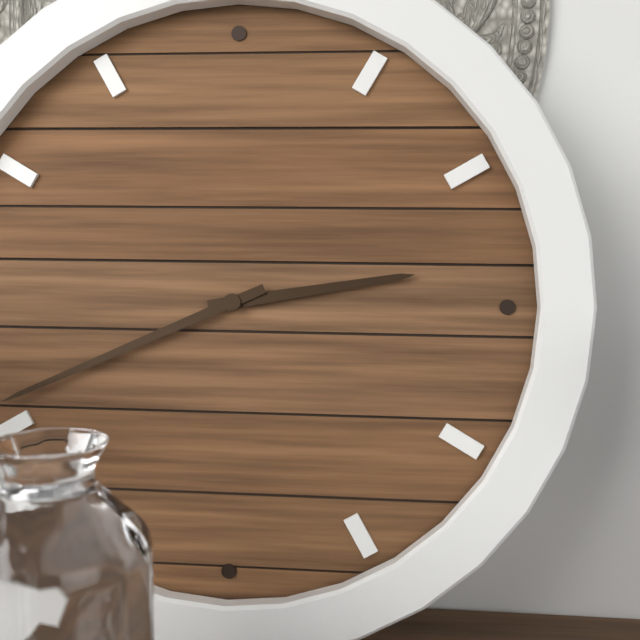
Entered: 2,41
